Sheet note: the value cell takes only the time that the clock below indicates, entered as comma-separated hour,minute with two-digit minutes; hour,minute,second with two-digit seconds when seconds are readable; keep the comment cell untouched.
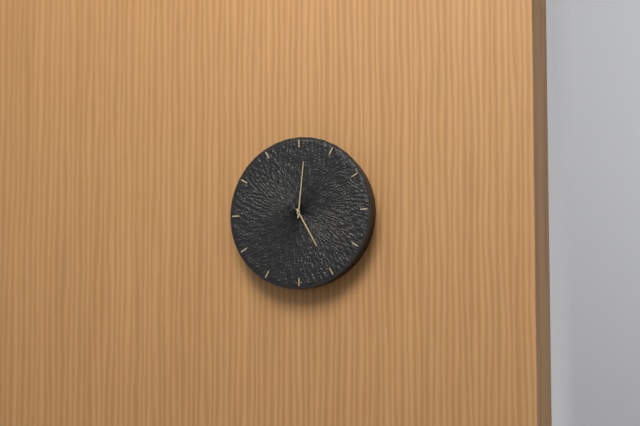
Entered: 5,01
